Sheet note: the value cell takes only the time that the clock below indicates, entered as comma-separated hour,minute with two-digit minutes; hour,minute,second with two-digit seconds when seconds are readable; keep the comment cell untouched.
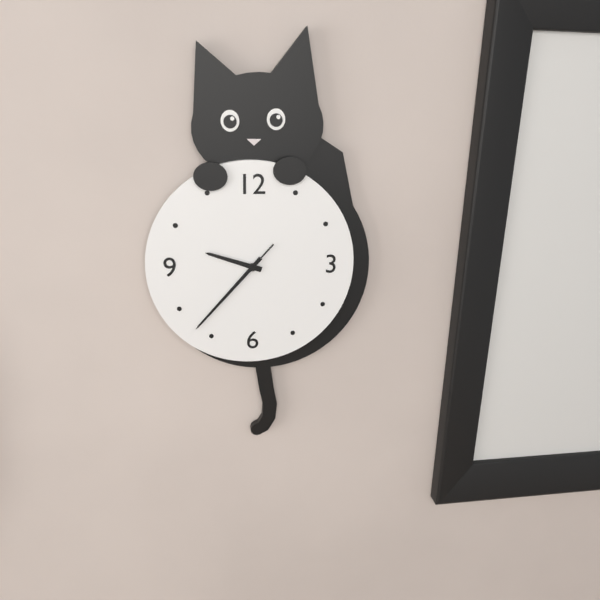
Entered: 9,37,37
